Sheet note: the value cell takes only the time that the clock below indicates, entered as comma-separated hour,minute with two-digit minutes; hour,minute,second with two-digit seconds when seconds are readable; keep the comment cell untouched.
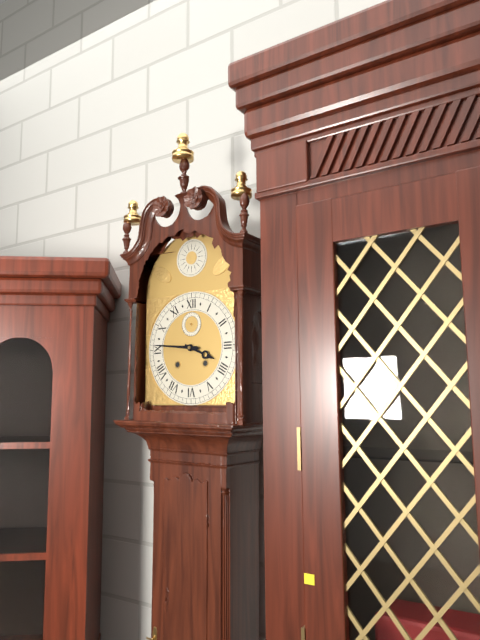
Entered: 3,46
